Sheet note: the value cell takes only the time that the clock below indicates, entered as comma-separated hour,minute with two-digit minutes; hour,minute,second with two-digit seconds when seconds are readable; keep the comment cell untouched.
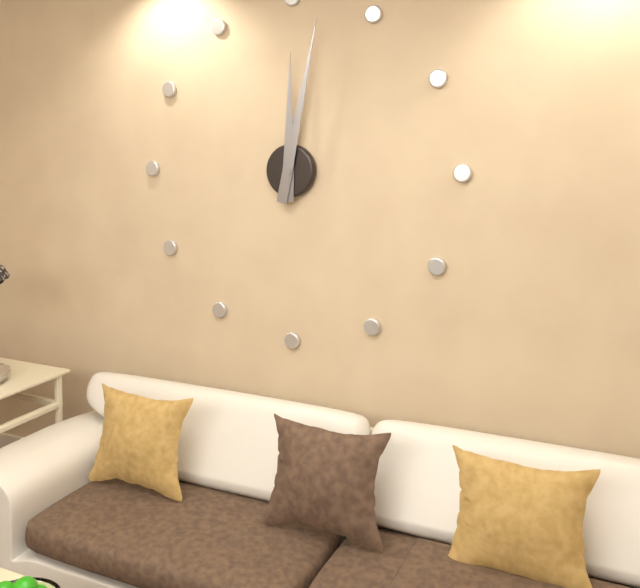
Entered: 12,02
